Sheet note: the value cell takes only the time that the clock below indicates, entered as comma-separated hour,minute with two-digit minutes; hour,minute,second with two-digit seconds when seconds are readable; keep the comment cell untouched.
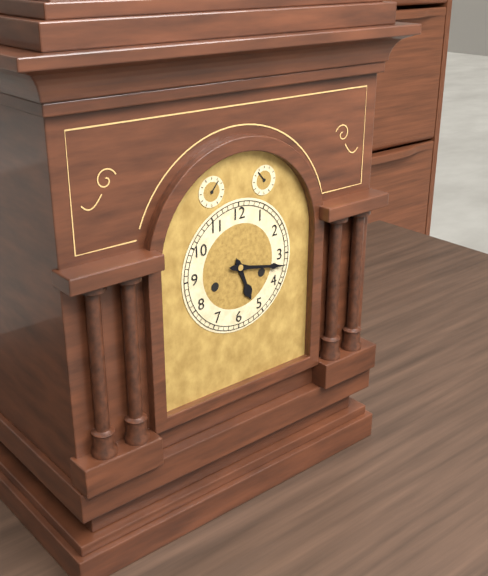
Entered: 5,17
